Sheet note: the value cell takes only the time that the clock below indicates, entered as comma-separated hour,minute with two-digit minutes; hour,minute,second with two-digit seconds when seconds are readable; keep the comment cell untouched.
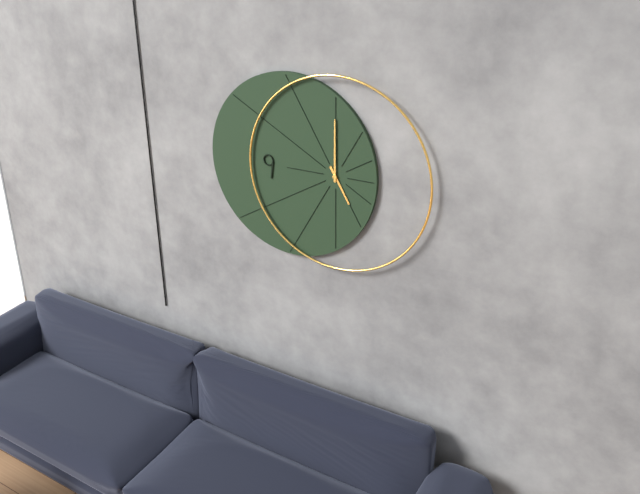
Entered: 5,00
